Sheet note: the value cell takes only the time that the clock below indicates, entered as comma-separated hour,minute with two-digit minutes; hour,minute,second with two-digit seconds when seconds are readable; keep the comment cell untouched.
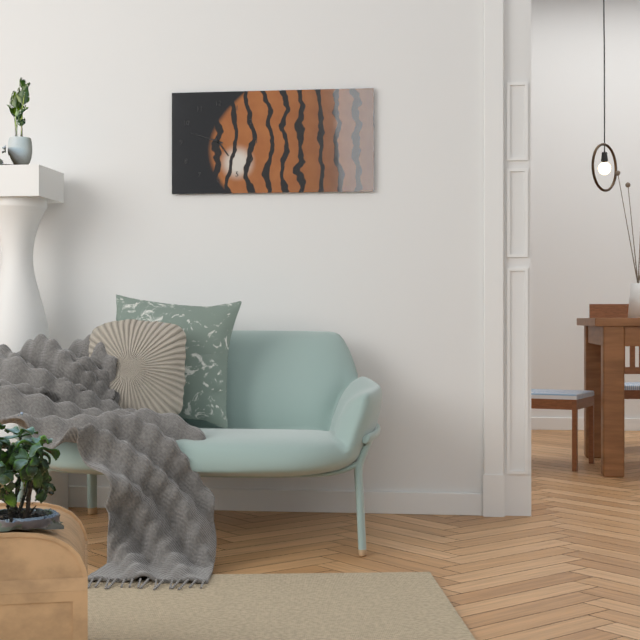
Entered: 4,48
